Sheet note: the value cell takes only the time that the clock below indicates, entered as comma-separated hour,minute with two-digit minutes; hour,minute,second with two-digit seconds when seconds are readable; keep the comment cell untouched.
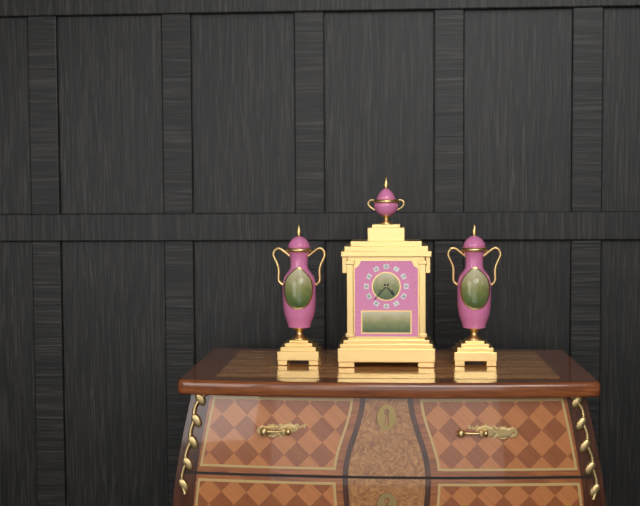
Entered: 4,37
